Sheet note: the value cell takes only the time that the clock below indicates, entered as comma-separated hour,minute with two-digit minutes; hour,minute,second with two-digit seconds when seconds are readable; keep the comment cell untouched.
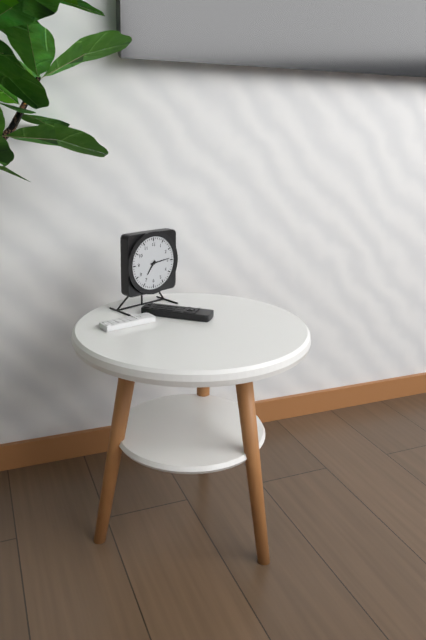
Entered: 7,14
